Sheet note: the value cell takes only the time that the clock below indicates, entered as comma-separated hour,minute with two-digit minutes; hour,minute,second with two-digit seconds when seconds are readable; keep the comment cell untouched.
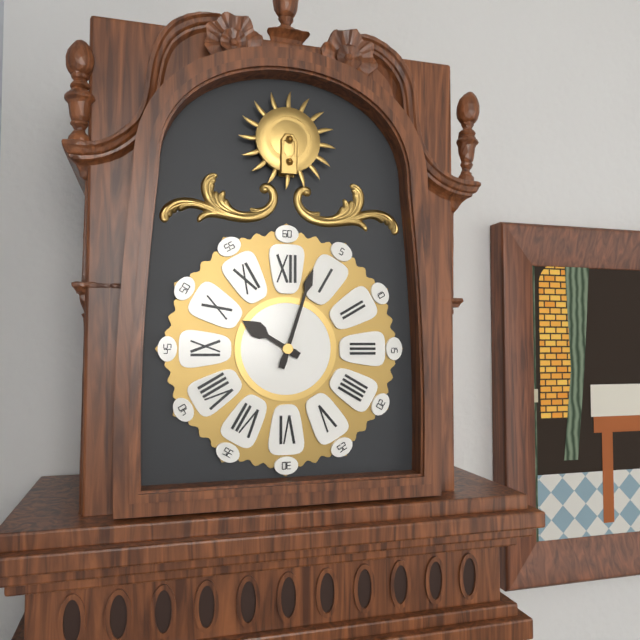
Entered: 10,03
